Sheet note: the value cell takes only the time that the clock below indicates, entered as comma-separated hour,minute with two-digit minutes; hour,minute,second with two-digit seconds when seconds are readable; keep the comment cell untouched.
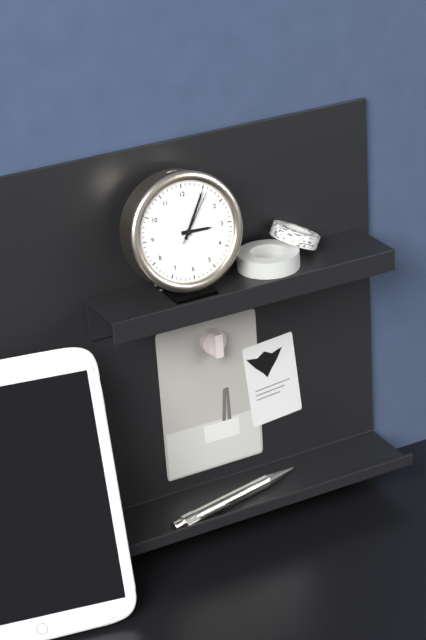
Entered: 3,05,06
